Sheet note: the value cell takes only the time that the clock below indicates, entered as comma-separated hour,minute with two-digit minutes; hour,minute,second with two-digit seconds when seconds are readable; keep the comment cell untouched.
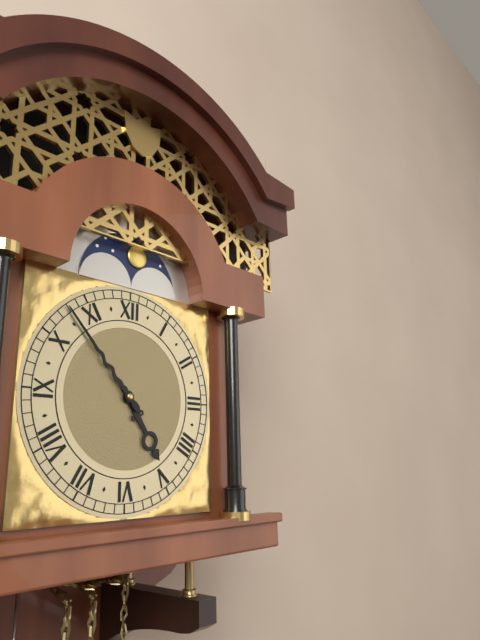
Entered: 4,53
